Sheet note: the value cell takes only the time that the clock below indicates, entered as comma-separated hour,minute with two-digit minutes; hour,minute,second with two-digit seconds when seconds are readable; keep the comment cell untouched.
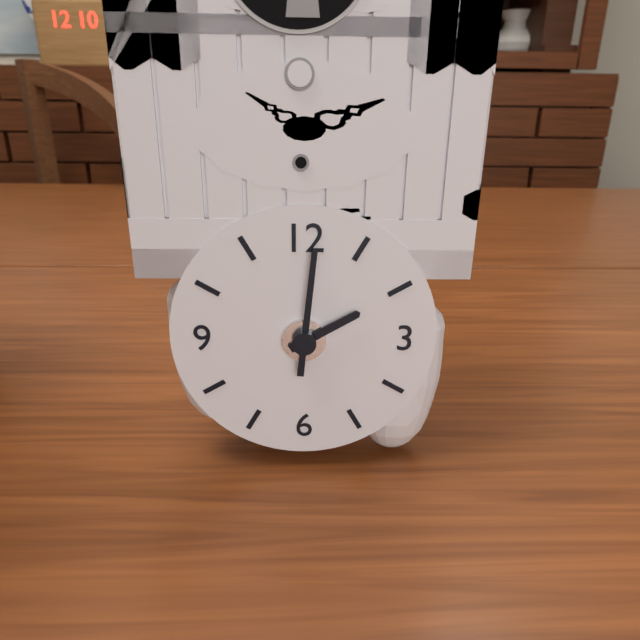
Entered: 2,01
